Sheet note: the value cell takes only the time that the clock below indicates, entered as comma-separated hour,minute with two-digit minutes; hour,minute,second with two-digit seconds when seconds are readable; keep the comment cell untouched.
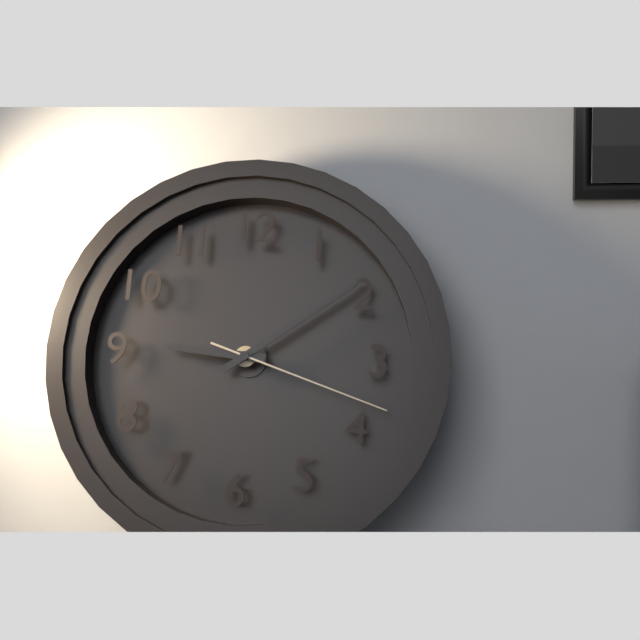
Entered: 9,09,18
